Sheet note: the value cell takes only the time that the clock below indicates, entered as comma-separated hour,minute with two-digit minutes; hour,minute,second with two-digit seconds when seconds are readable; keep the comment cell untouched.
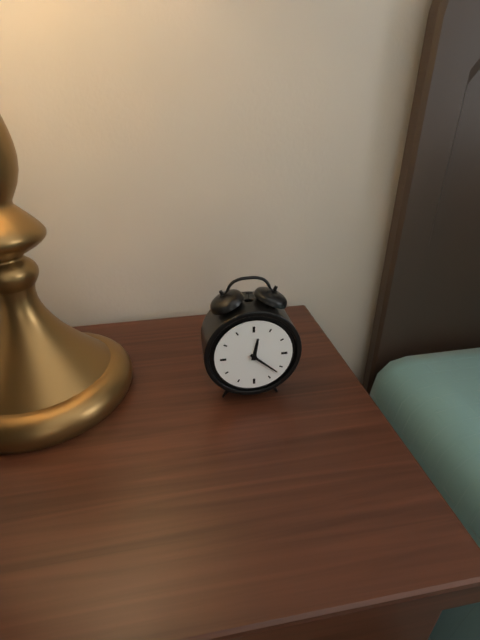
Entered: 12,22
